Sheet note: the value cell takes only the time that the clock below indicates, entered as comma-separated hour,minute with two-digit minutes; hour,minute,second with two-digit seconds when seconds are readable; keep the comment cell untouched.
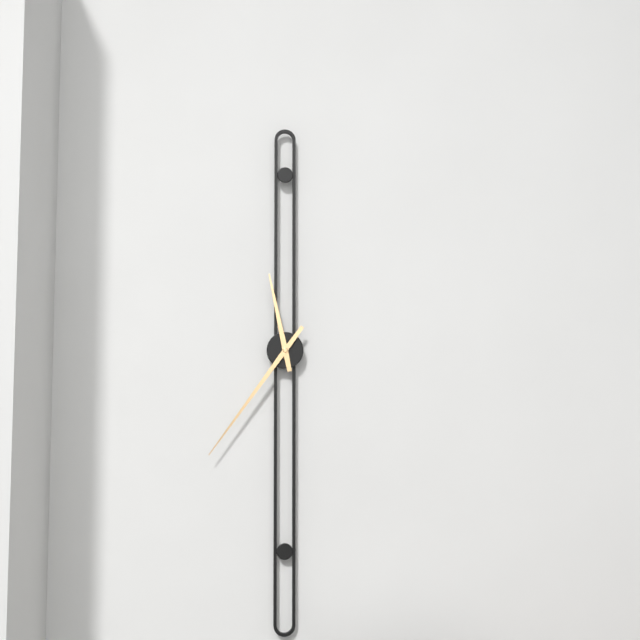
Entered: 11,36
